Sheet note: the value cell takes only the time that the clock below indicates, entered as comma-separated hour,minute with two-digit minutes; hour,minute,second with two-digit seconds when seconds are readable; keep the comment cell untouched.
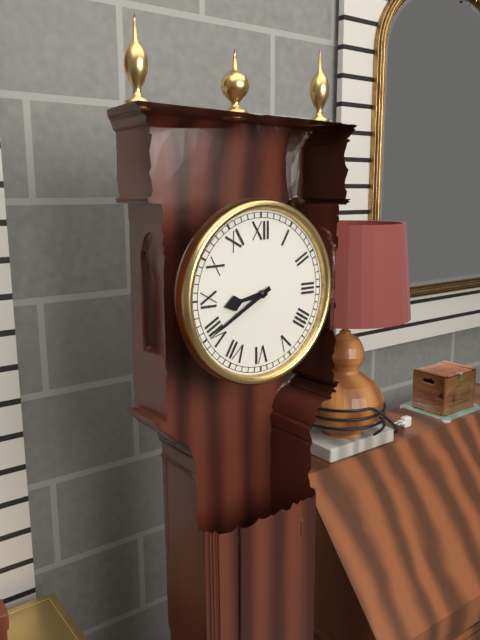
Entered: 8,40
